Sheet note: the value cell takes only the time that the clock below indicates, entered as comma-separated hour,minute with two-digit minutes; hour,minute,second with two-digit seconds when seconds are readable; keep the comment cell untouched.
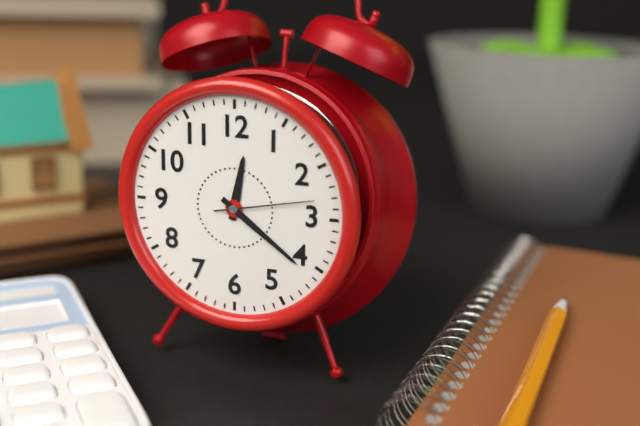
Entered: 12,21,13
